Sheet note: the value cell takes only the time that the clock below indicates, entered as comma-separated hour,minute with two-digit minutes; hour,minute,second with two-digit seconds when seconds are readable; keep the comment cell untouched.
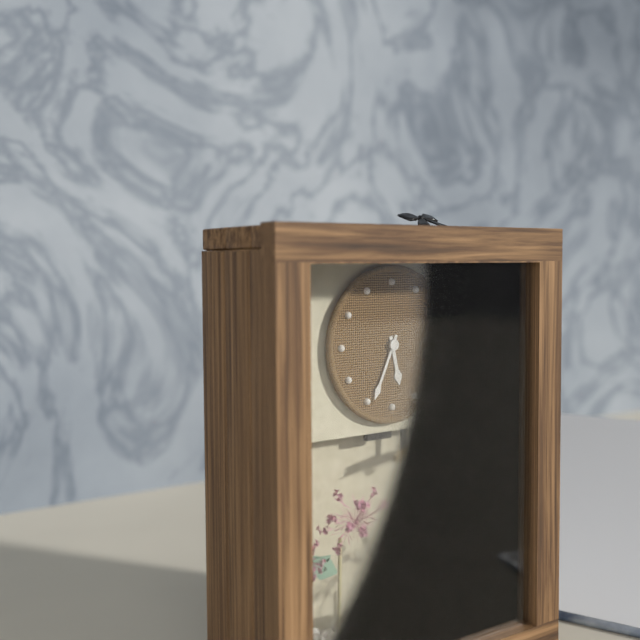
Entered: 5,34
